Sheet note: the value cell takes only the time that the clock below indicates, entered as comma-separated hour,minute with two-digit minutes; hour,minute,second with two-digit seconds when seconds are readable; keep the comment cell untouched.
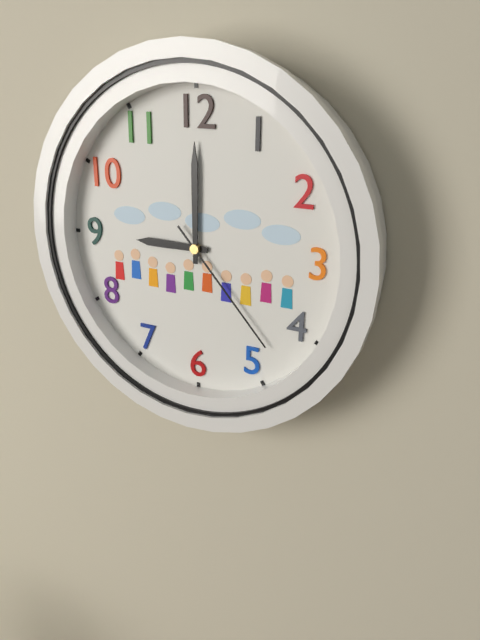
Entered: 9,00,23
